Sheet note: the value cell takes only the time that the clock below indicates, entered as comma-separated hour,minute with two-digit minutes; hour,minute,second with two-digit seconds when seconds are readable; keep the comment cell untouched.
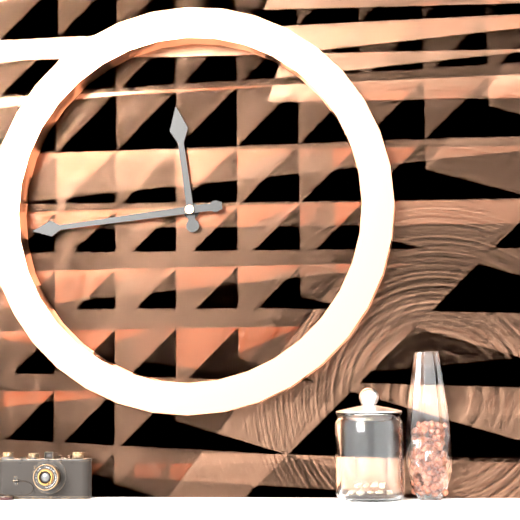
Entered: 11,44
